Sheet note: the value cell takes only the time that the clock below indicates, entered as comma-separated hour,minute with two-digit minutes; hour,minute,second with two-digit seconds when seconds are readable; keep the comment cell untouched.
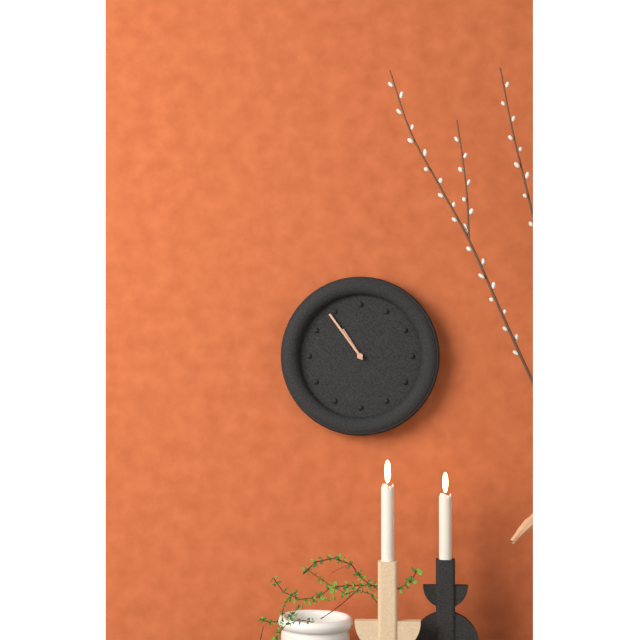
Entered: 10,54
